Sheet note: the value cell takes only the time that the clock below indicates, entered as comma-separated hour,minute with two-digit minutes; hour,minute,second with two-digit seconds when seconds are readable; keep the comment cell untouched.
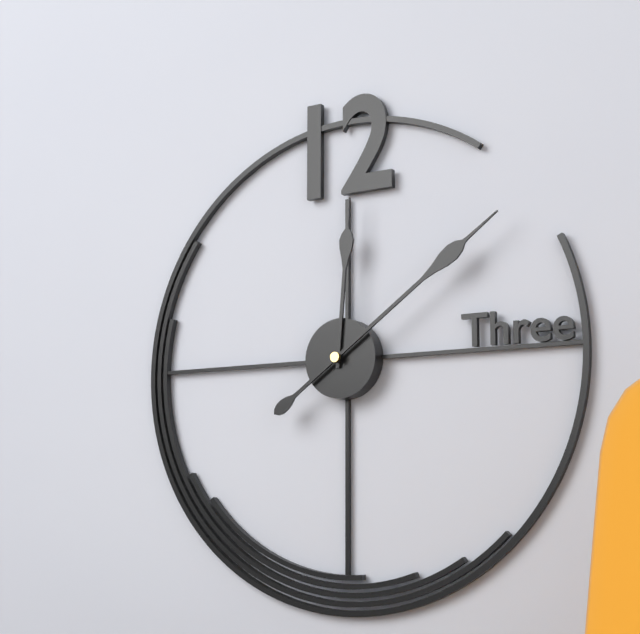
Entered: 12,09
